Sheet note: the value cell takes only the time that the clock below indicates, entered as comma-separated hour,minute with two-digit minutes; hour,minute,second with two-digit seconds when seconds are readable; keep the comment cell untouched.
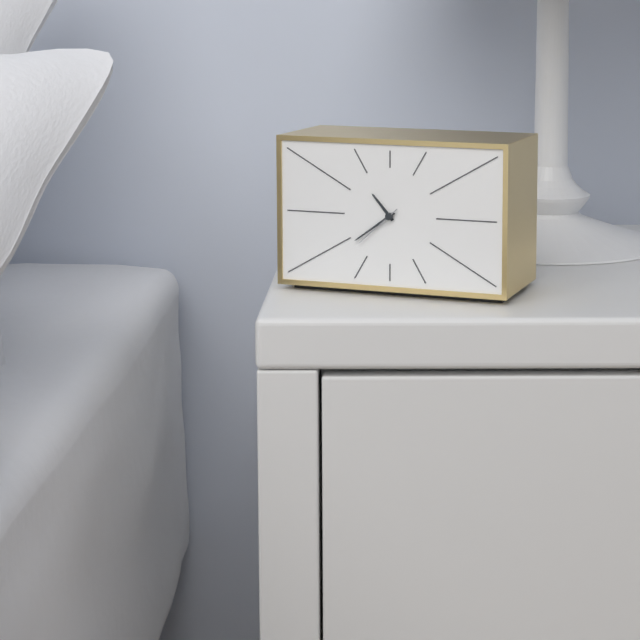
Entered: 10,39,38
